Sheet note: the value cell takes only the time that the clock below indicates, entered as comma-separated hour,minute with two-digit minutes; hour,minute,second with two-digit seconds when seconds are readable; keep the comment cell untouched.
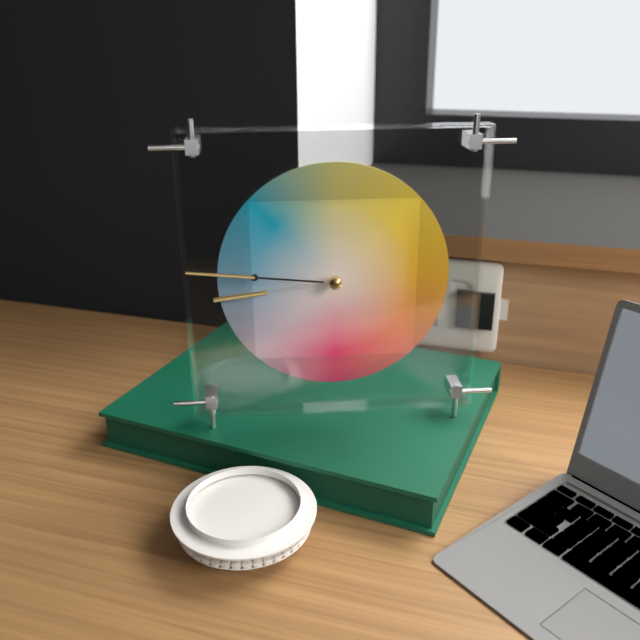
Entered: 8,46
